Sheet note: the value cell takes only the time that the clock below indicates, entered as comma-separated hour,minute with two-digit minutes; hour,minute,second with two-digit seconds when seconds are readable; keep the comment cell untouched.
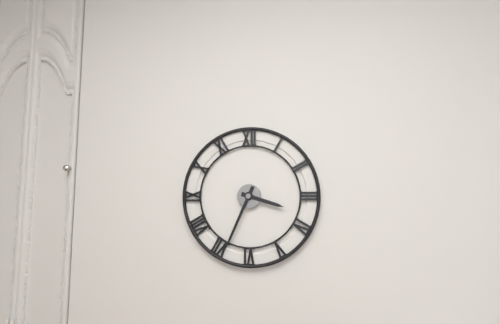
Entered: 3,34
